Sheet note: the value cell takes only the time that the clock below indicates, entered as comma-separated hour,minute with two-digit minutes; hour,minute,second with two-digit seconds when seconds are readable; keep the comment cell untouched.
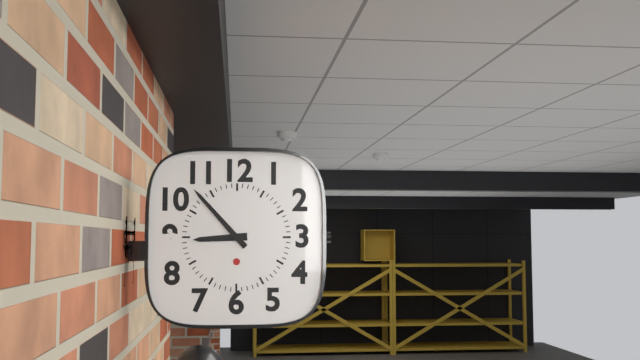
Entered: 8,53
